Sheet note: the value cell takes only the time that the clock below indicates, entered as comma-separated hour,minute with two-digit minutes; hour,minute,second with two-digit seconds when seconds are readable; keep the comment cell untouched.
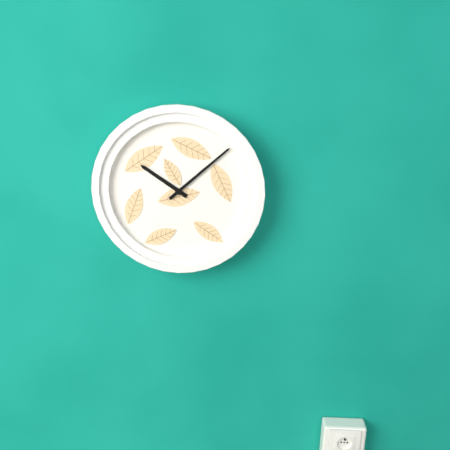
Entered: 10,08
